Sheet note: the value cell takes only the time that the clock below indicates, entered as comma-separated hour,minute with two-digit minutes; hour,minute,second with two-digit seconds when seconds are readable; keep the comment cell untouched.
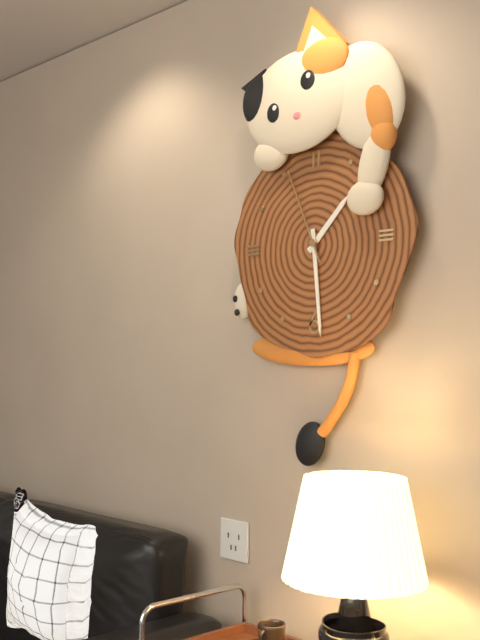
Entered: 1,29,56
